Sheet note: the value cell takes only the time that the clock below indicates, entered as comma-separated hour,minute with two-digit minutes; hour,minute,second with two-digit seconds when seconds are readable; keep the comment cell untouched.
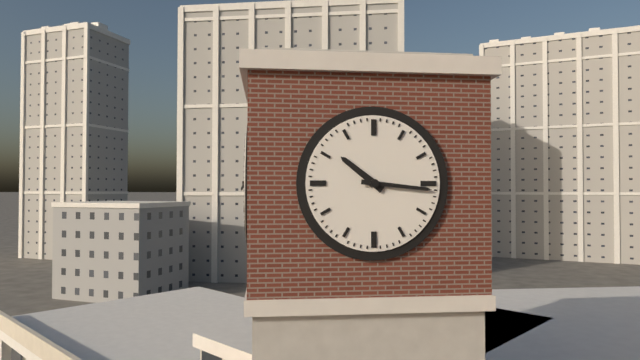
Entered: 10,16
